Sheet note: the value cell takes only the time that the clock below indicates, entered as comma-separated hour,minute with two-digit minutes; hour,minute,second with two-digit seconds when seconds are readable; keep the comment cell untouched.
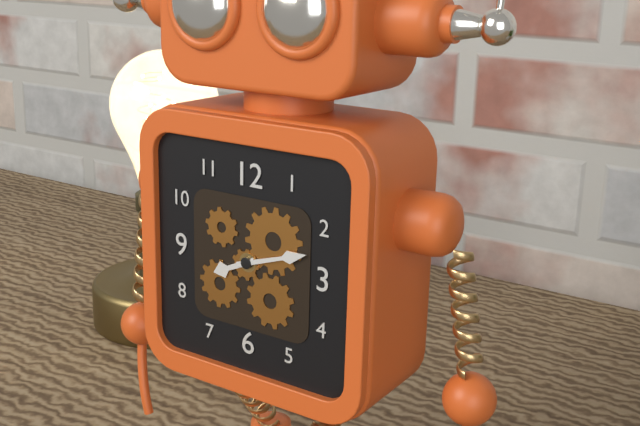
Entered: 8,12
